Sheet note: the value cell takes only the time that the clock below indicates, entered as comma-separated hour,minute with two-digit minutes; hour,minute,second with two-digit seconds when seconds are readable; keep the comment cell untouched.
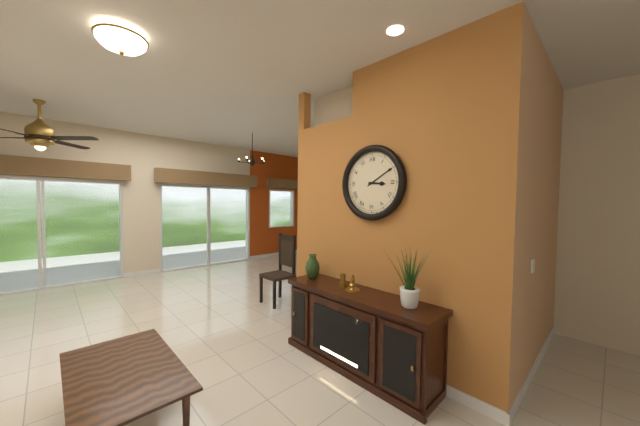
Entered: 3,10
